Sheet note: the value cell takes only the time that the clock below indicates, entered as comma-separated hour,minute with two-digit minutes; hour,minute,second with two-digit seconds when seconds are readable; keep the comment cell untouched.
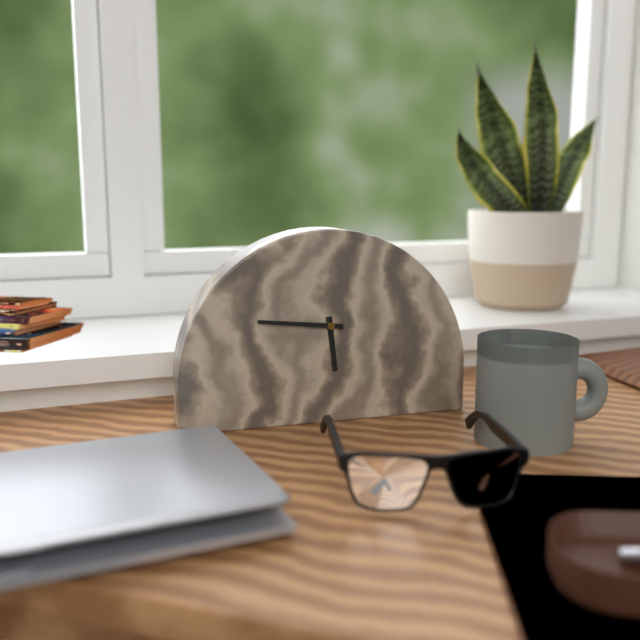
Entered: 5,46
